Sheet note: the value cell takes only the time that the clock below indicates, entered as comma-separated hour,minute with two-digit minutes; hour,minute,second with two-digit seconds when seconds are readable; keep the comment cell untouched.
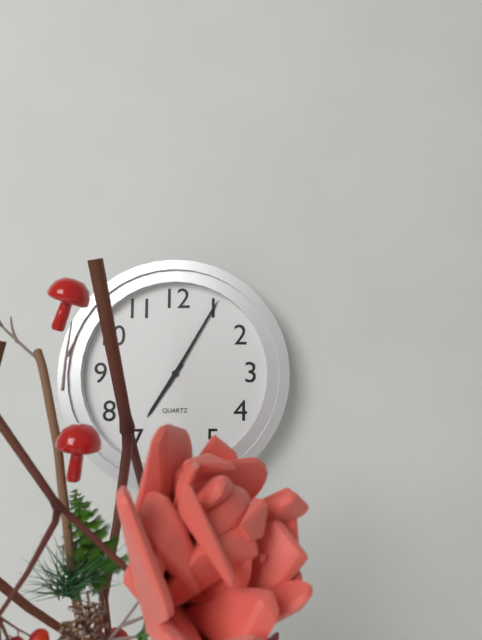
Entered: 7,05
